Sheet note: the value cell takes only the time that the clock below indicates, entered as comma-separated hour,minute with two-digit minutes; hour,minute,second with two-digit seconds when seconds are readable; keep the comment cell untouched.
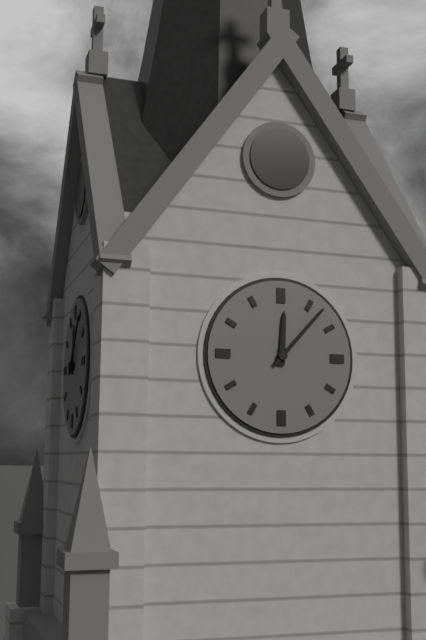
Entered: 12,07
